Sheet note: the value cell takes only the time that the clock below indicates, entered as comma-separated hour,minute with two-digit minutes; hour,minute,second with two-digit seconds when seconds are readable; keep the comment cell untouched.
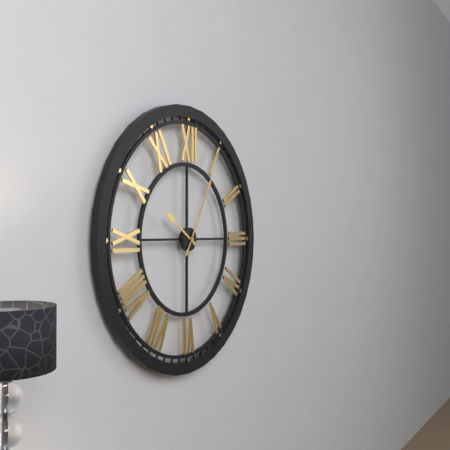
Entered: 10,05
